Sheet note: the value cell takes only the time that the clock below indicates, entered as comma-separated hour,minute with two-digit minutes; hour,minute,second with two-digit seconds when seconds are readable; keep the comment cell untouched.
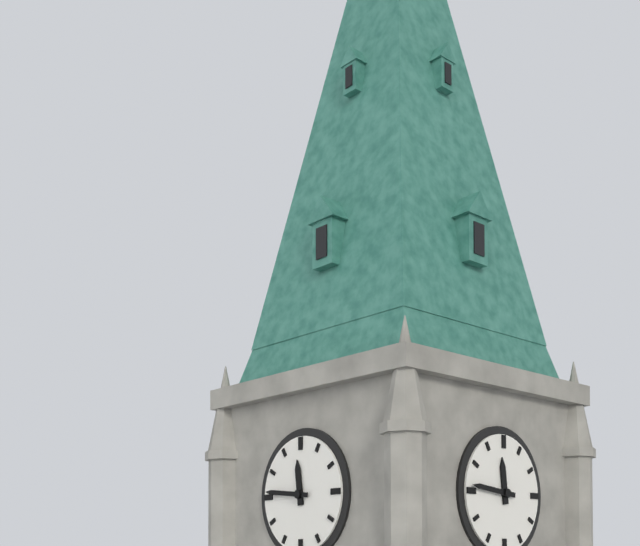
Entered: 11,46
